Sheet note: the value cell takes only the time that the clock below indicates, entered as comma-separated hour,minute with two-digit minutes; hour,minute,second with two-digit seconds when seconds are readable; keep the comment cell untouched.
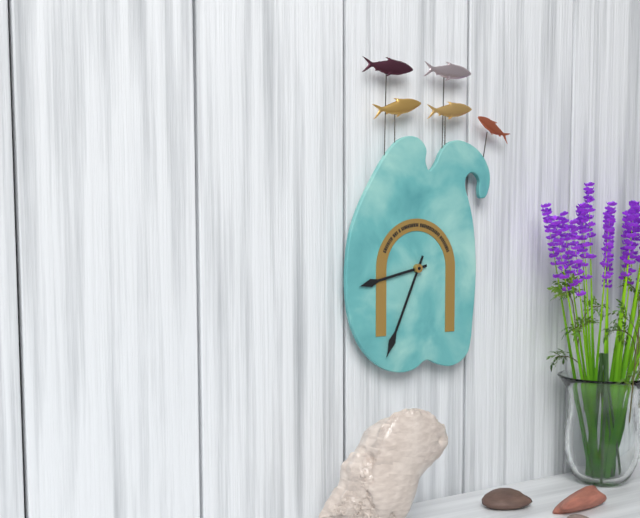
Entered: 8,34
